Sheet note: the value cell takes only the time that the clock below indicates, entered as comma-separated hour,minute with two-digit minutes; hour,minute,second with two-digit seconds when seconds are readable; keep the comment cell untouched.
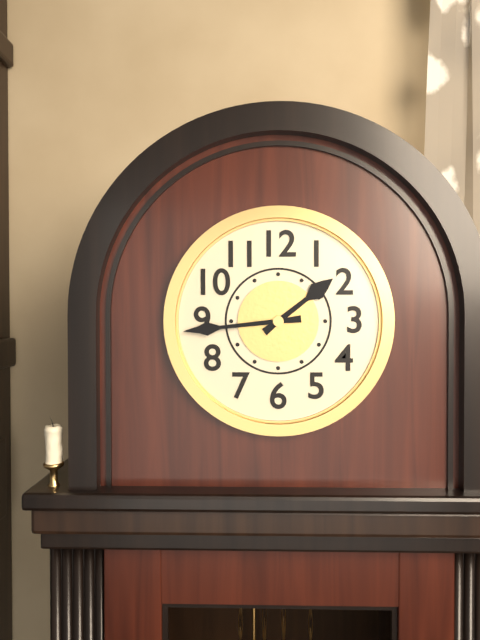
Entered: 1,44
